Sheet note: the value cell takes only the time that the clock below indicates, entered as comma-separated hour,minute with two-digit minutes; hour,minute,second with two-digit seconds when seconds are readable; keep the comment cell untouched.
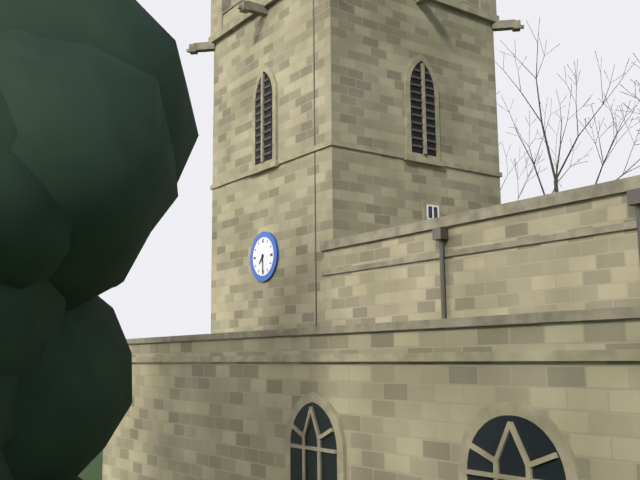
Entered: 7,30
